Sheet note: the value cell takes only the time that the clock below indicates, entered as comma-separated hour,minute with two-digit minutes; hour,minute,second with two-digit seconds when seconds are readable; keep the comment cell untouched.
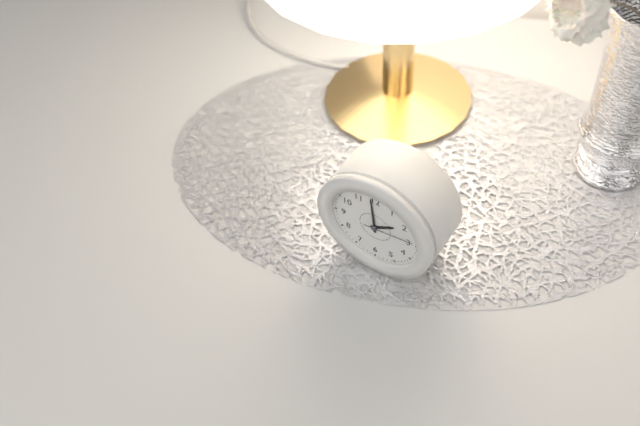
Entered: 1,59,14
